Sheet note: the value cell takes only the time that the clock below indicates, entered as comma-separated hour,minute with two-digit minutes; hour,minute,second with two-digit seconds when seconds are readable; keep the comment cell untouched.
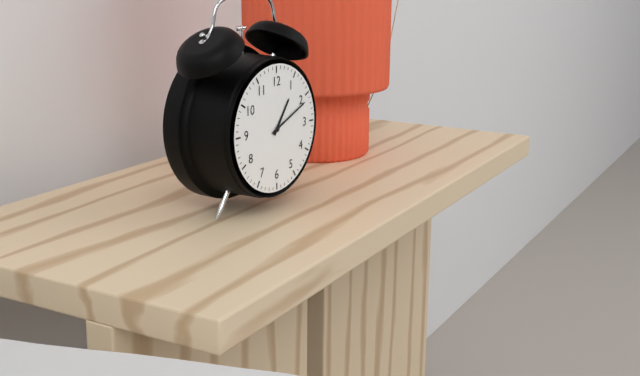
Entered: 1,11
